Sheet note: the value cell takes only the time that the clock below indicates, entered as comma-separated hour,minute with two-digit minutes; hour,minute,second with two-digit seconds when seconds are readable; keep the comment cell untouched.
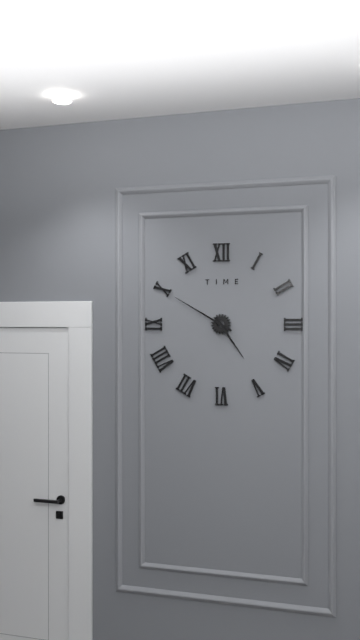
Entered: 4,50
